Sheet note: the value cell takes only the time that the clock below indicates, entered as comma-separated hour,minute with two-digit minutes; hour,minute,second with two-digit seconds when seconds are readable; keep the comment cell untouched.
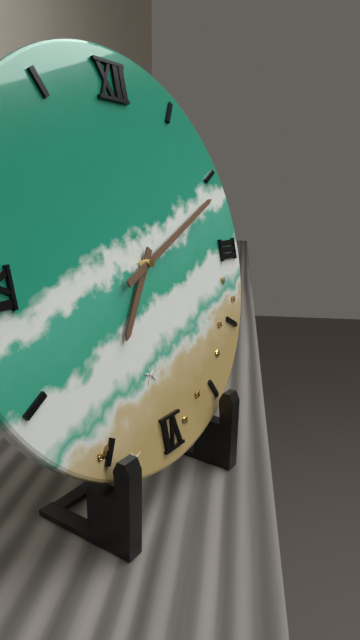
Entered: 7,11
